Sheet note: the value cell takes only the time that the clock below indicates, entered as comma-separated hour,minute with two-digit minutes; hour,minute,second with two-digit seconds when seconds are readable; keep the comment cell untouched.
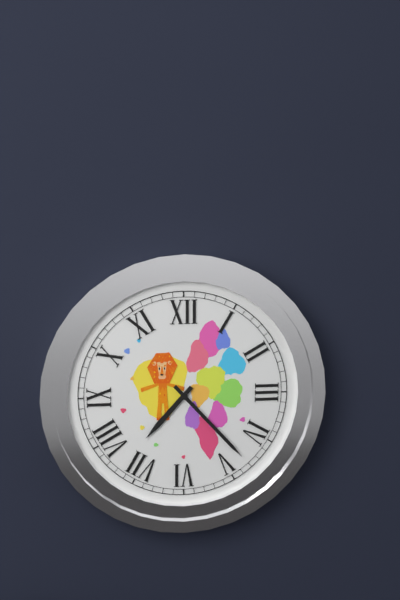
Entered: 7,23
